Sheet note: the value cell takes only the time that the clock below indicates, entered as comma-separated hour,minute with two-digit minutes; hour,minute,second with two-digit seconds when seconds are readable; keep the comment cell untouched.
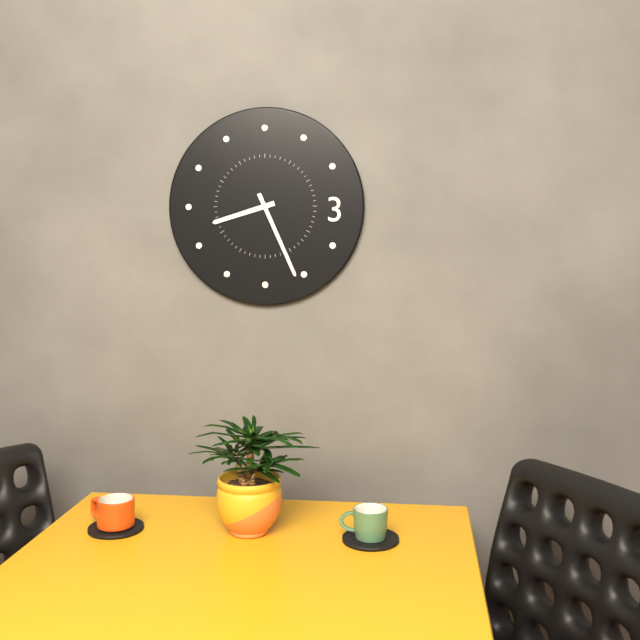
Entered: 8,26
